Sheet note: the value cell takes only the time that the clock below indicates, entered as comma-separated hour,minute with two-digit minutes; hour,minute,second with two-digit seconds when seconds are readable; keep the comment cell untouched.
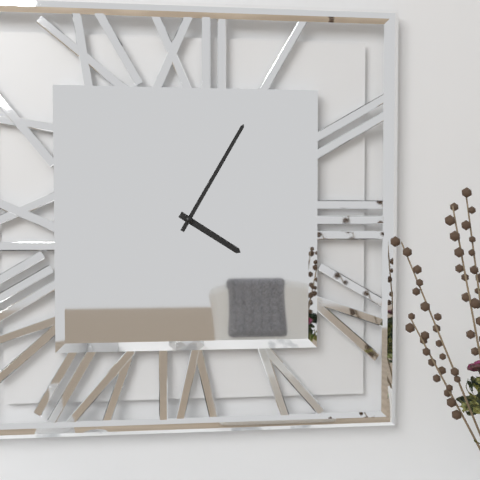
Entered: 4,05
